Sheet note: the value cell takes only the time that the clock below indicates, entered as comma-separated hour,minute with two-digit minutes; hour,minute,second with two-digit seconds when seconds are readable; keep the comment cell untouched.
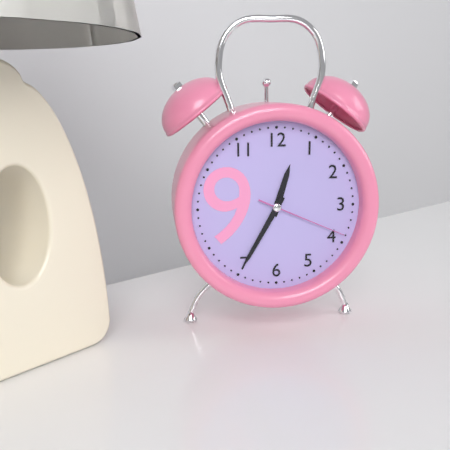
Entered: 12,35,19
